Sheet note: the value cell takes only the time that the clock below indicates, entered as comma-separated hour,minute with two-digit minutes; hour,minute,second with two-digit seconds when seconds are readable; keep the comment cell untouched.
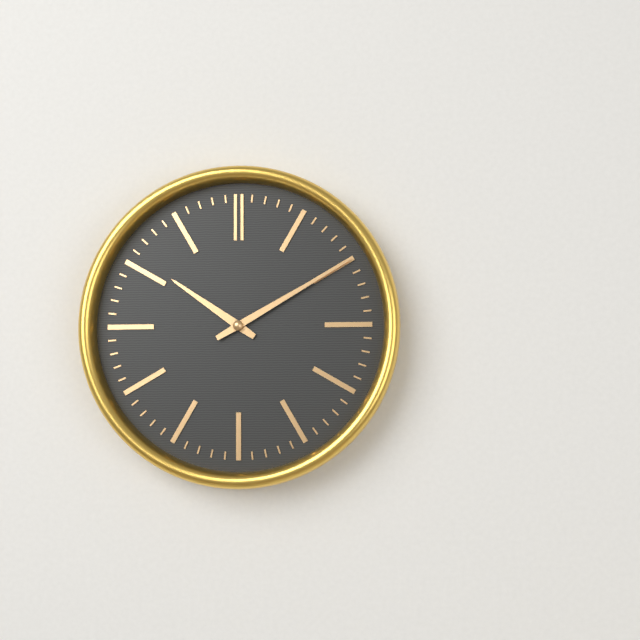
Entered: 10,10
